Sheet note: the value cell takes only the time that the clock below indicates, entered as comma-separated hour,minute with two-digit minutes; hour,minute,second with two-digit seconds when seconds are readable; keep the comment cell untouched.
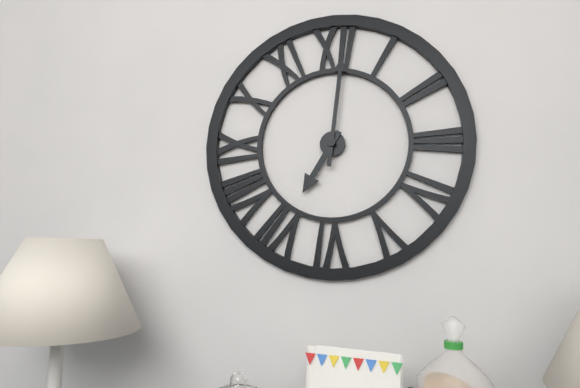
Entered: 7,01
